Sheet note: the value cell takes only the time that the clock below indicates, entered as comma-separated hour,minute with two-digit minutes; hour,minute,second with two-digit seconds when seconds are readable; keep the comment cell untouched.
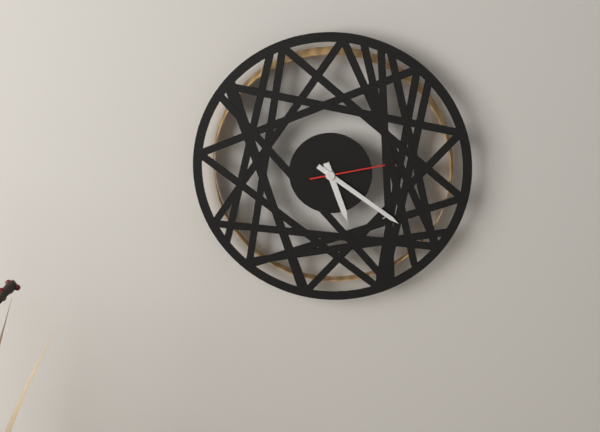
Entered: 5,21,13
